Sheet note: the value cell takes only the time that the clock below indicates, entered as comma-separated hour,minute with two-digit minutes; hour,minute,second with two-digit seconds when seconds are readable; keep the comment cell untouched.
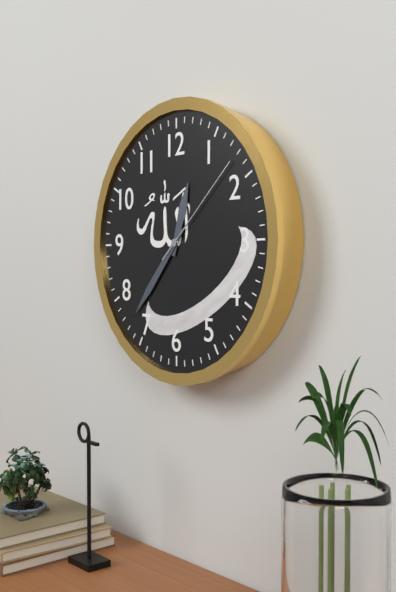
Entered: 12,37,08
